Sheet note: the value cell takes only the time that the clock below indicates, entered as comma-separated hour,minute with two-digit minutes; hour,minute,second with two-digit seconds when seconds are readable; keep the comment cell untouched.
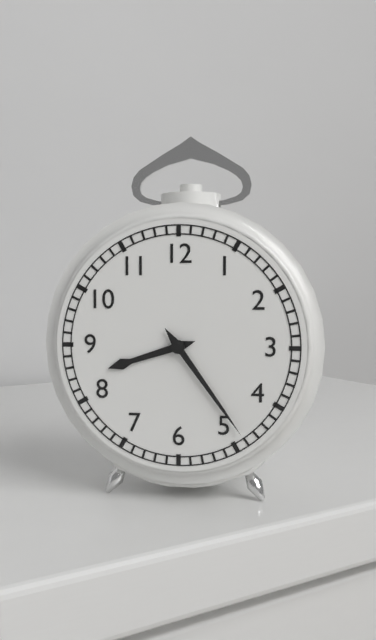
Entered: 8,24
